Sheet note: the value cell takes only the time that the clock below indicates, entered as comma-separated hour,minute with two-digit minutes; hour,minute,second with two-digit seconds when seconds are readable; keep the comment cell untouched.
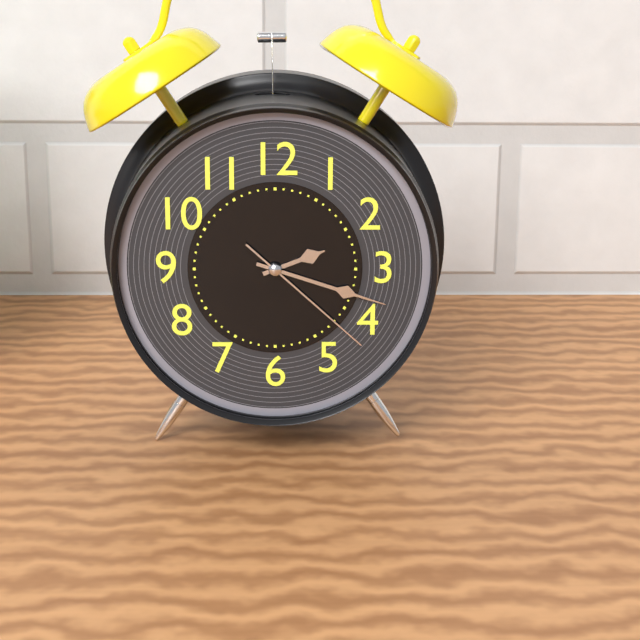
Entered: 2,18,22
